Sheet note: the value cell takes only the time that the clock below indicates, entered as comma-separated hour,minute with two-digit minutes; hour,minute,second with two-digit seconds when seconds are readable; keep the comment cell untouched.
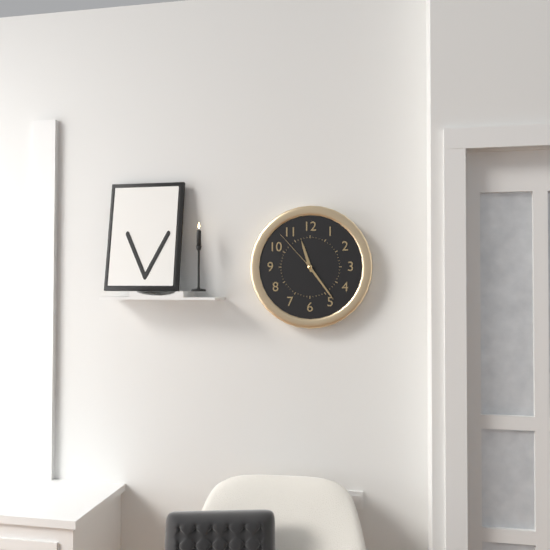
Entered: 11,24,53
